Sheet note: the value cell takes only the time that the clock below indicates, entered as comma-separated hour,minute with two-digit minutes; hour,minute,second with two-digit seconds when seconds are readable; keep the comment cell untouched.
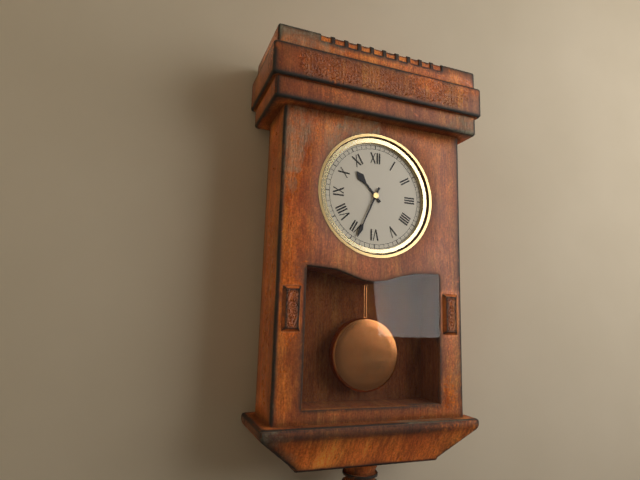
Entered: 10,34
